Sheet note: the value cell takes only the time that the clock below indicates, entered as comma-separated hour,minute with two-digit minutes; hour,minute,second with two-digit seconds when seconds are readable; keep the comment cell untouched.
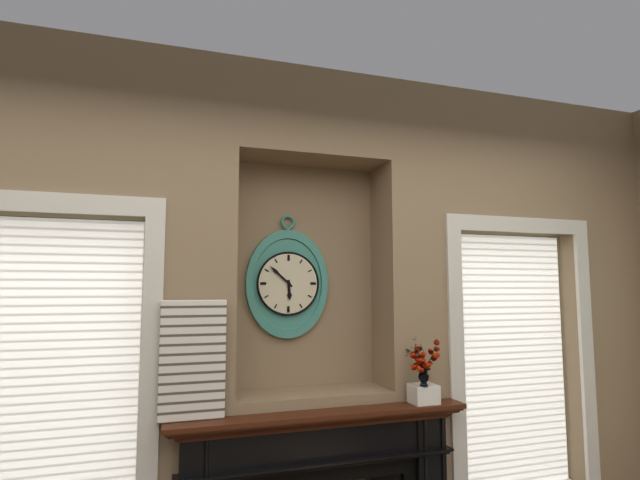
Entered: 5,52
